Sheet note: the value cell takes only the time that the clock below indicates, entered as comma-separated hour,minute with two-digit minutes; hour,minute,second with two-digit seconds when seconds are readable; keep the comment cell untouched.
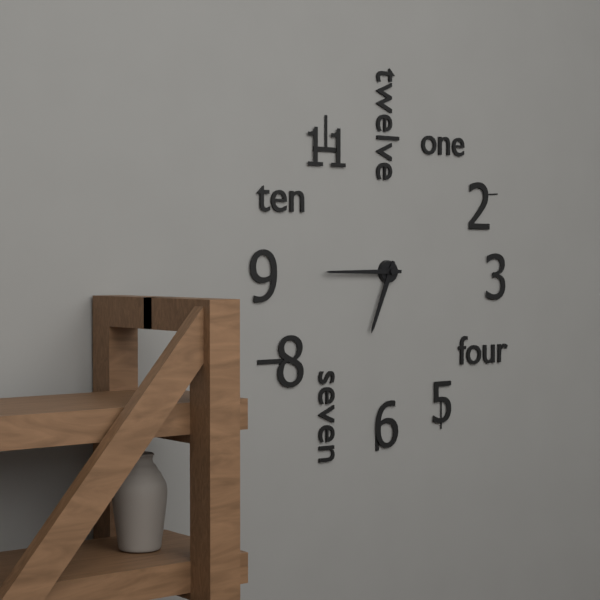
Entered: 6,45
